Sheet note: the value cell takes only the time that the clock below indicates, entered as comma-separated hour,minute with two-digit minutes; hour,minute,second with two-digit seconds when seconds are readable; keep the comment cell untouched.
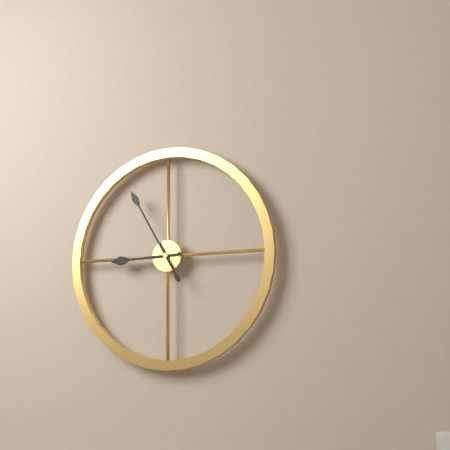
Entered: 8,55
